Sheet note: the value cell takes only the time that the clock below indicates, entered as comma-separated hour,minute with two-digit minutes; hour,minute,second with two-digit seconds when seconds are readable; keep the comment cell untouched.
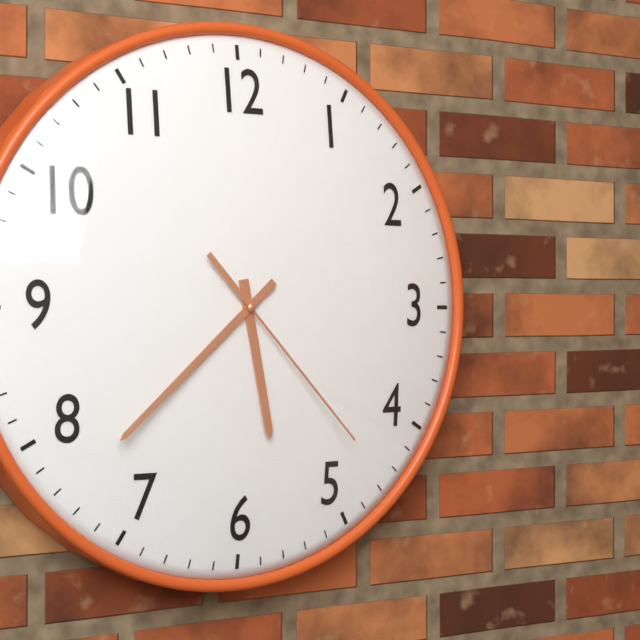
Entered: 5,38,23
